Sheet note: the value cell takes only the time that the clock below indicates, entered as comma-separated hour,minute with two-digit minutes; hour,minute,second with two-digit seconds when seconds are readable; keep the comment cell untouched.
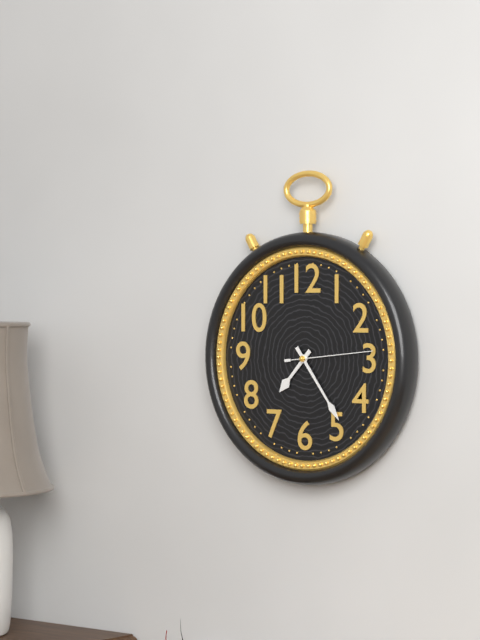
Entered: 7,24,14
